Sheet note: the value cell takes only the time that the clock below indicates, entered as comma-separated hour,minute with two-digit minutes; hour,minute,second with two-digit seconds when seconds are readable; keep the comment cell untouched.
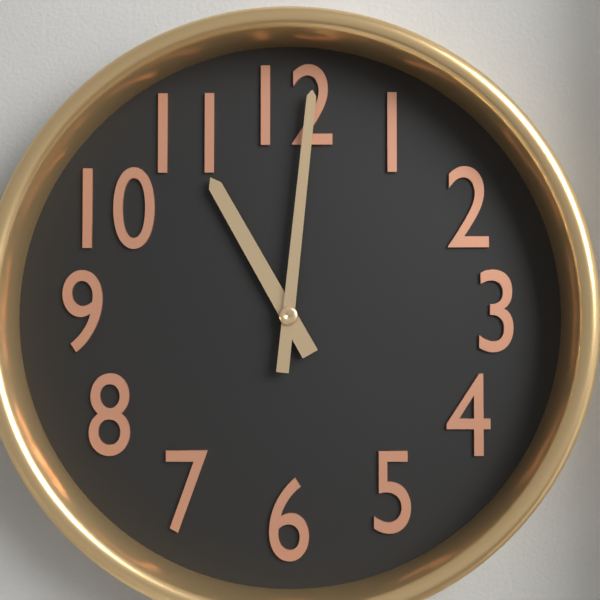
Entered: 11,01
